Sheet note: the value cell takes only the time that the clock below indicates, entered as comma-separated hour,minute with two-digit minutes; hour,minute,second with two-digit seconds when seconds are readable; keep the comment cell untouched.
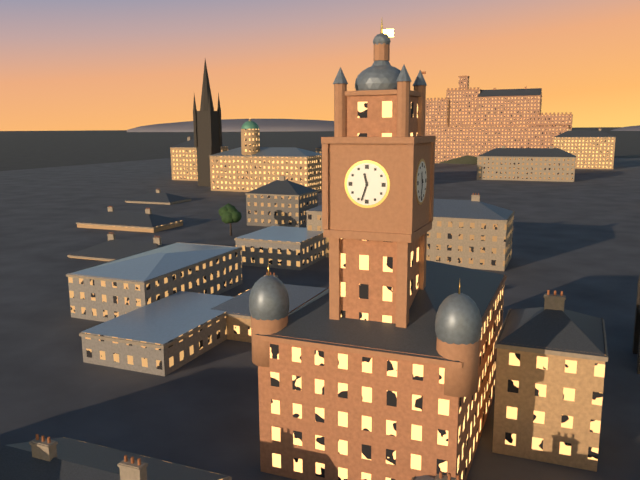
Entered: 11,33
